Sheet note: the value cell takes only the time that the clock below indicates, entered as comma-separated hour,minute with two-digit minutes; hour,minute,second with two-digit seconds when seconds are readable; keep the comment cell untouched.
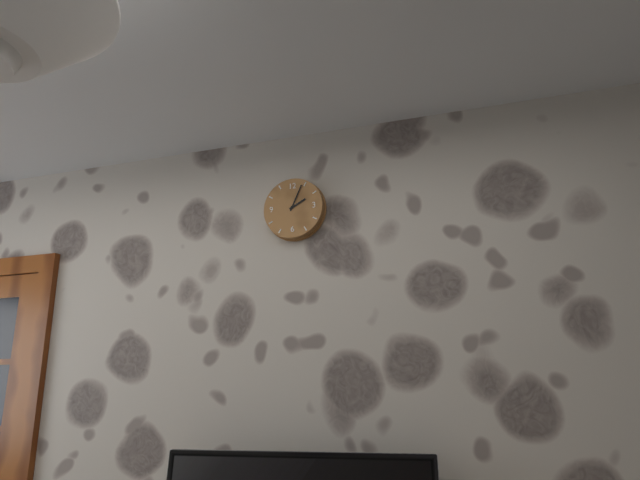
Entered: 2,04
